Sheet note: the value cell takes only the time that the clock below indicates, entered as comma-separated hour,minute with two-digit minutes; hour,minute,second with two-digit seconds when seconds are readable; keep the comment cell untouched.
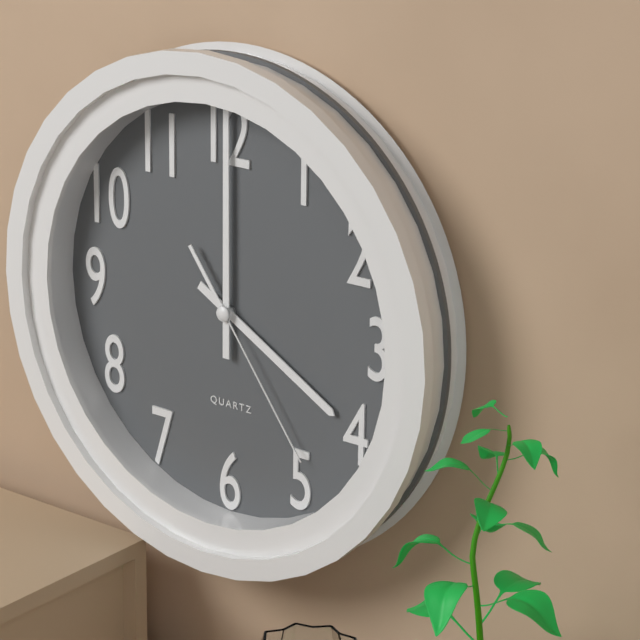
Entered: 4,00,24
